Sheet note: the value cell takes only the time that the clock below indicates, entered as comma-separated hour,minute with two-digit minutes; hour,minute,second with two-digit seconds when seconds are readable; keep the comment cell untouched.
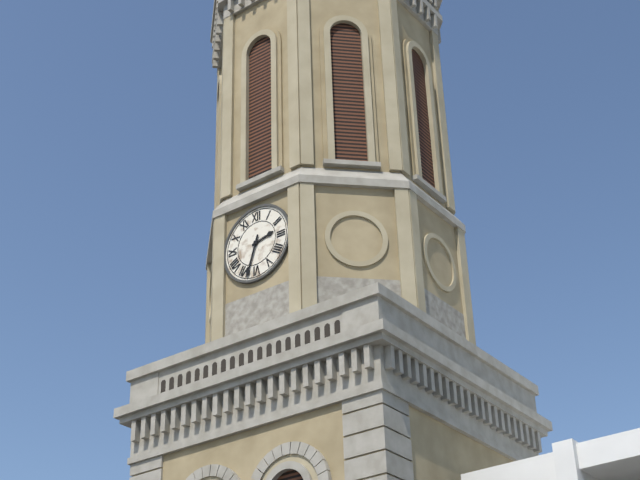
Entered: 2,33
